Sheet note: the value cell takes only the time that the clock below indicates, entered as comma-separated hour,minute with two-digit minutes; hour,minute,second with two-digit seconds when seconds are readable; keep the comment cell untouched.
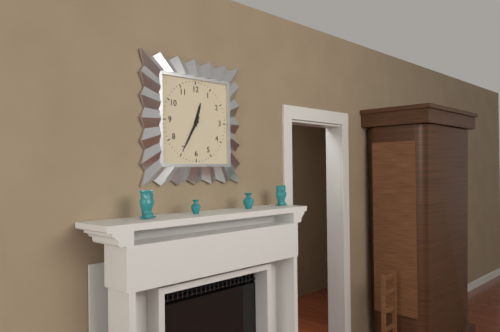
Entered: 12,35
